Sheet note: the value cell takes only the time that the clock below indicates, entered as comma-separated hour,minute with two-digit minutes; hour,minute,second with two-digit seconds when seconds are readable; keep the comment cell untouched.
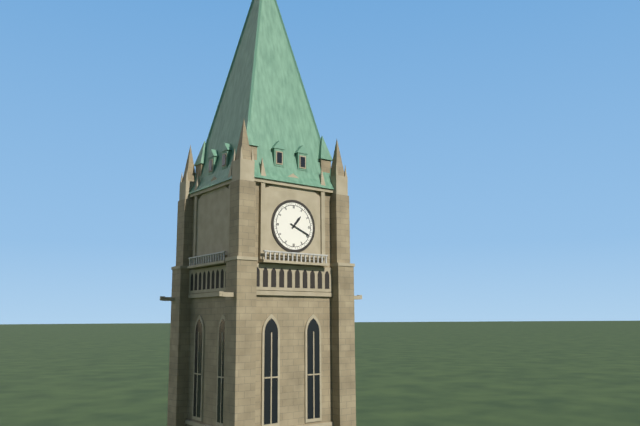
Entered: 1,19
